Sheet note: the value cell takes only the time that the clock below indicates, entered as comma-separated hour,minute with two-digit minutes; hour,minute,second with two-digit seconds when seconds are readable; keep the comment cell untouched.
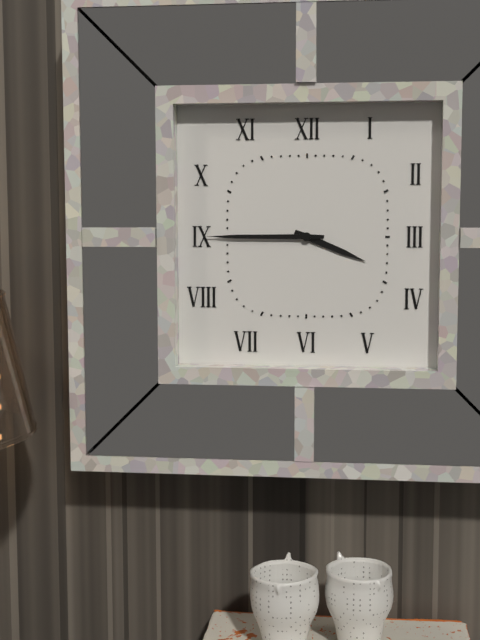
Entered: 3,45
